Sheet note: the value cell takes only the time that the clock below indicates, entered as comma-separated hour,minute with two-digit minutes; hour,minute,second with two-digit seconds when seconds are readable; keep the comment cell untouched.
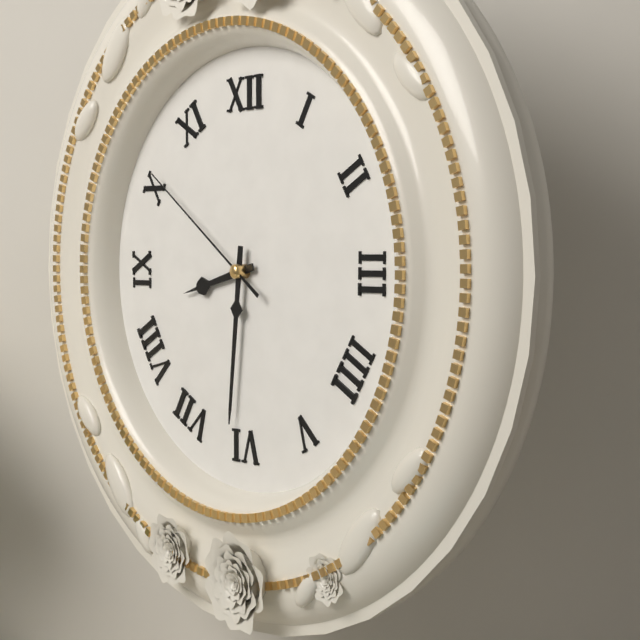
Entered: 8,31,51
